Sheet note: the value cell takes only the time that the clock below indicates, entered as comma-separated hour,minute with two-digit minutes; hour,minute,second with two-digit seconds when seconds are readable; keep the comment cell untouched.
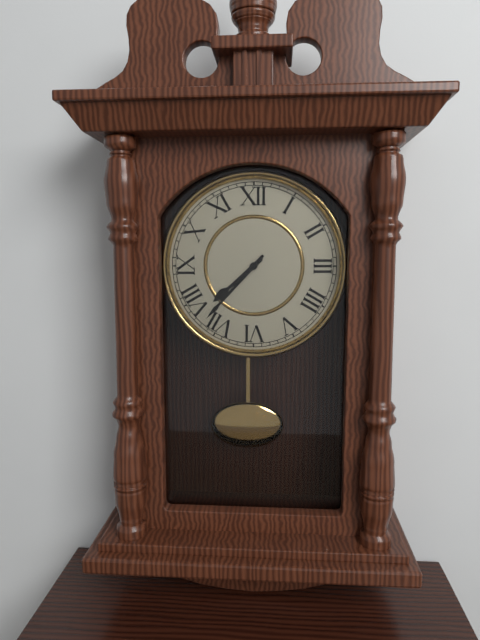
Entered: 7,37
